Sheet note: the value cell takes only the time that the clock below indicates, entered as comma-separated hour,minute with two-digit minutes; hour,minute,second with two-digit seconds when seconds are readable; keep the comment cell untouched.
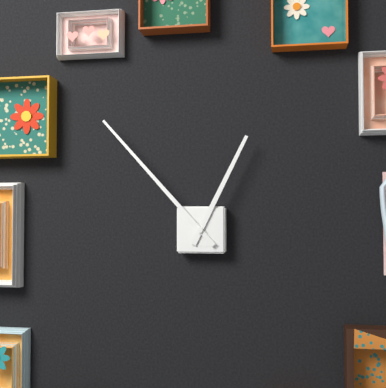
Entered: 12,53
